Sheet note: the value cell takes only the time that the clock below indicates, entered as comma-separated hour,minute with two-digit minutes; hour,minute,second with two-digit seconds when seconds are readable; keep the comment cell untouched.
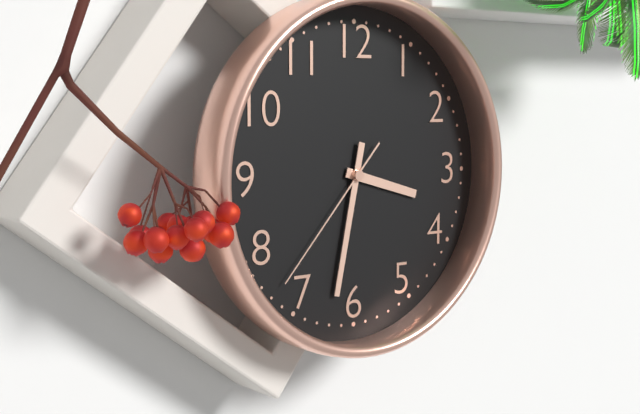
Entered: 3,32,37
